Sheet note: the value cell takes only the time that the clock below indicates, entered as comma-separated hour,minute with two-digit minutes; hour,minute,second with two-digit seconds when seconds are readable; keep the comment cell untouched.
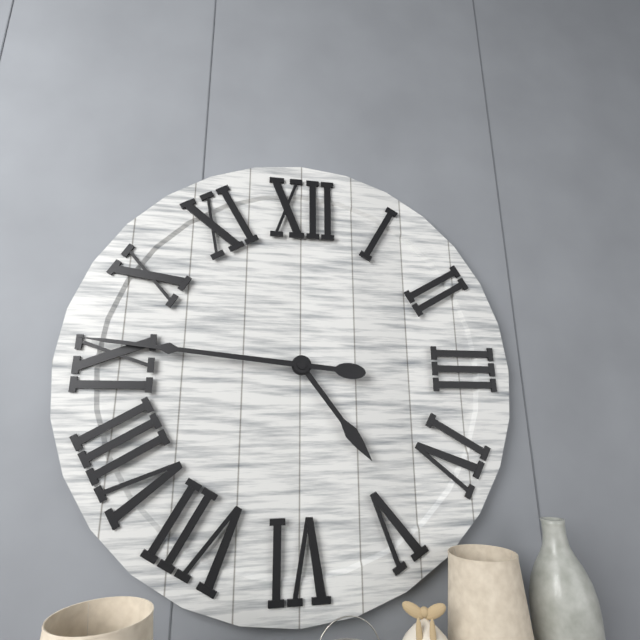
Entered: 4,46
